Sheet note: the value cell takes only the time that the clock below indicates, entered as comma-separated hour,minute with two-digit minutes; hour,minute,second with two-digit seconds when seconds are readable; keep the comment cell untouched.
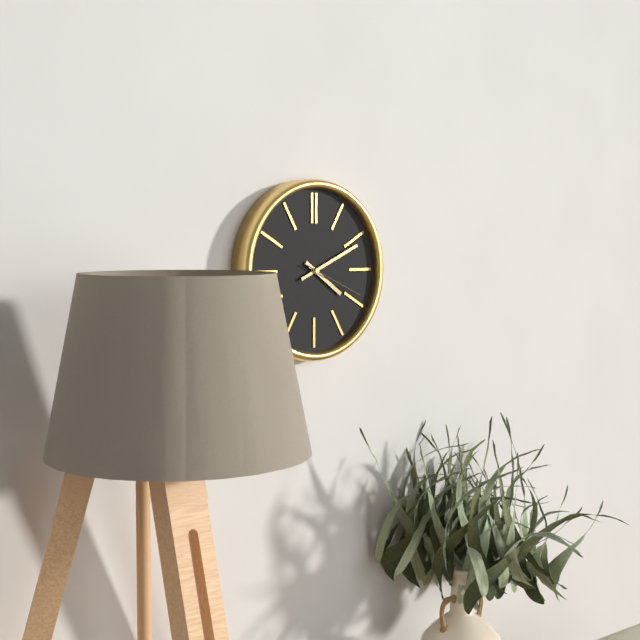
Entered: 4,11,19
